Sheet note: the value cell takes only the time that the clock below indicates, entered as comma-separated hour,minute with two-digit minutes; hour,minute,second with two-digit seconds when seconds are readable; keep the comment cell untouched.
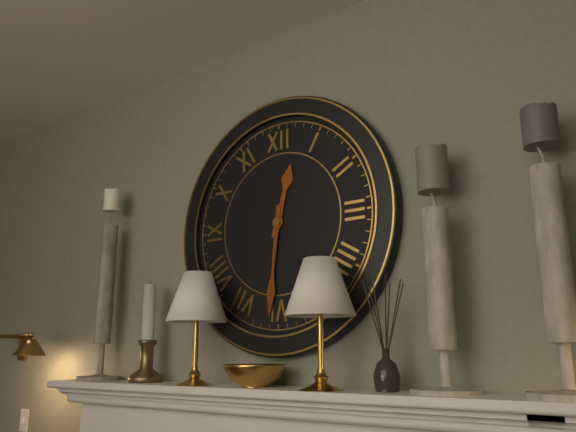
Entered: 12,31
